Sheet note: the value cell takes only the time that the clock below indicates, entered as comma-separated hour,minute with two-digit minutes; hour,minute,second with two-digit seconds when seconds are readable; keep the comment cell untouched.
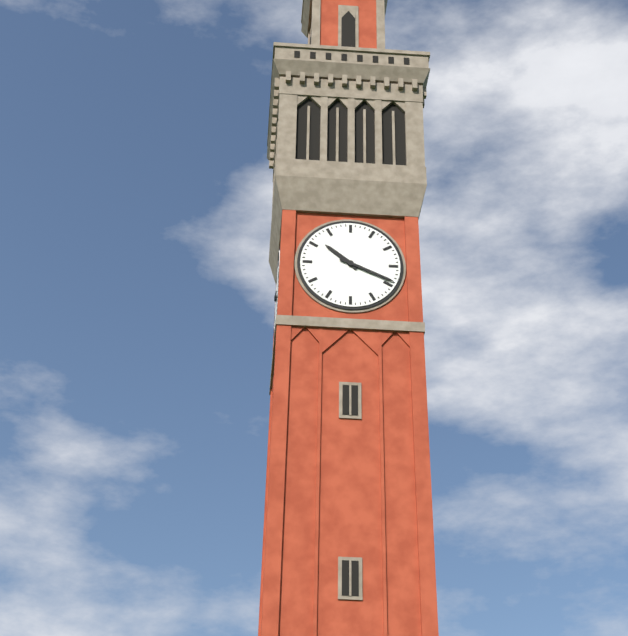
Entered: 10,19
